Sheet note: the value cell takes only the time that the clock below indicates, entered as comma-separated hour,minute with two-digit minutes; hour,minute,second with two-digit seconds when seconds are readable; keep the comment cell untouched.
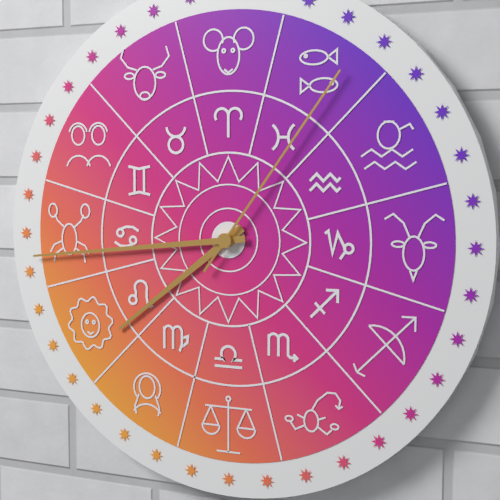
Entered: 7,44,06
